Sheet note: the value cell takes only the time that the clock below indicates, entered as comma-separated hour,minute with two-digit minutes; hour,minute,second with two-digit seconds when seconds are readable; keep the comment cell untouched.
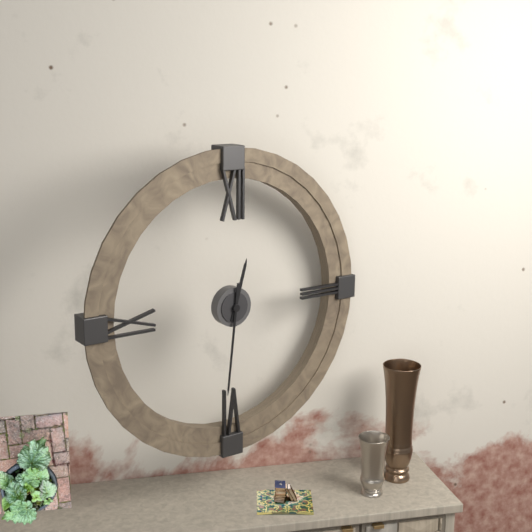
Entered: 12,31
